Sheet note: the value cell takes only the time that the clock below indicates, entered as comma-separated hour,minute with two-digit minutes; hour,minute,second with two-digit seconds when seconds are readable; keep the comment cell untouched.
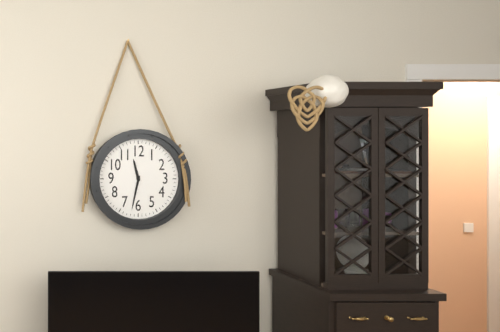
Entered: 11,32
